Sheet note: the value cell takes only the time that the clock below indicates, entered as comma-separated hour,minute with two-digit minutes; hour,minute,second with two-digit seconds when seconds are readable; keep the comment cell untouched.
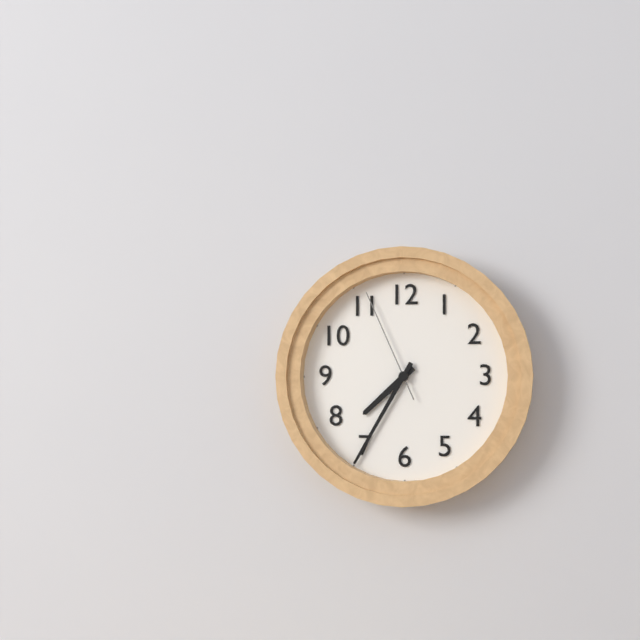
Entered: 7,35,56
